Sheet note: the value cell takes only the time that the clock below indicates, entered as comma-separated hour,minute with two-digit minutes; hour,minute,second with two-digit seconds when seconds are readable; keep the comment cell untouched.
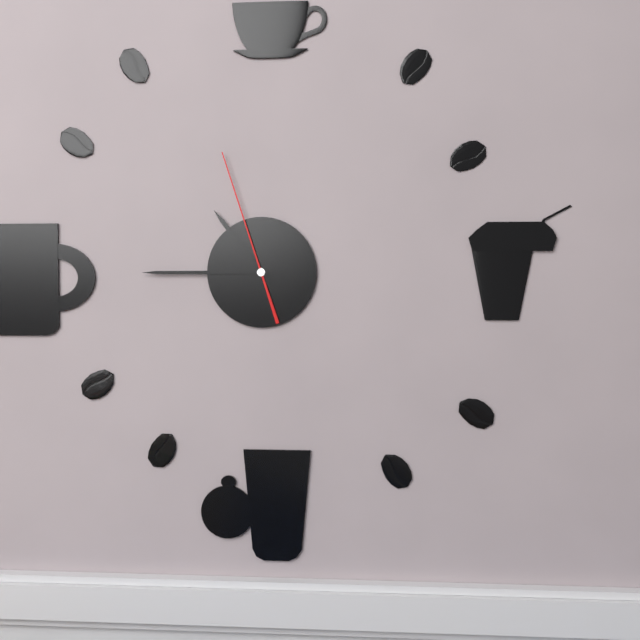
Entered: 10,45,57
